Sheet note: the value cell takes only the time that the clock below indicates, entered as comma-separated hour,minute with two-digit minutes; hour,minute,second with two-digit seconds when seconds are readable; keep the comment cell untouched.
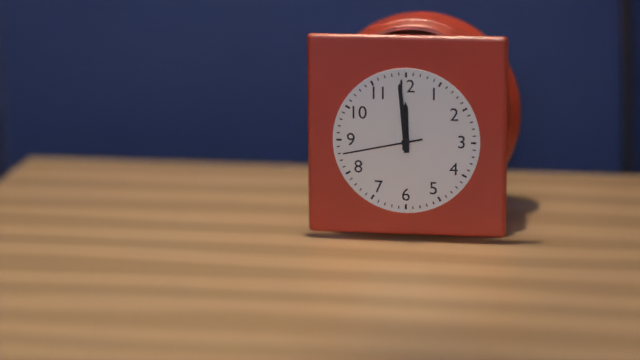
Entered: 11,59,43
